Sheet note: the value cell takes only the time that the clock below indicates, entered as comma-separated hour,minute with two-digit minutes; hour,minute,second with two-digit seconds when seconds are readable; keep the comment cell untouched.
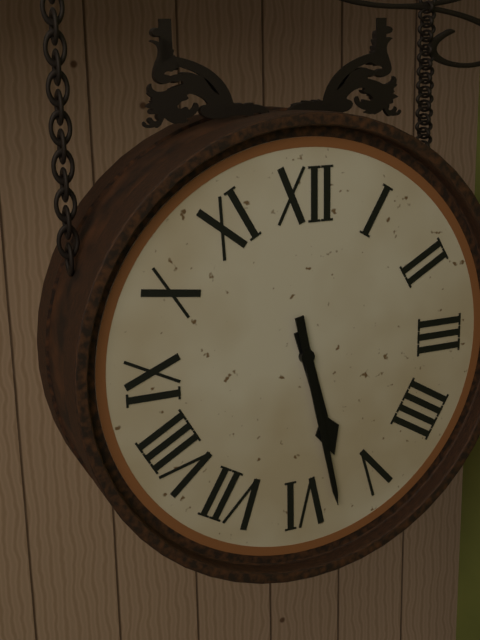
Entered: 5,28
